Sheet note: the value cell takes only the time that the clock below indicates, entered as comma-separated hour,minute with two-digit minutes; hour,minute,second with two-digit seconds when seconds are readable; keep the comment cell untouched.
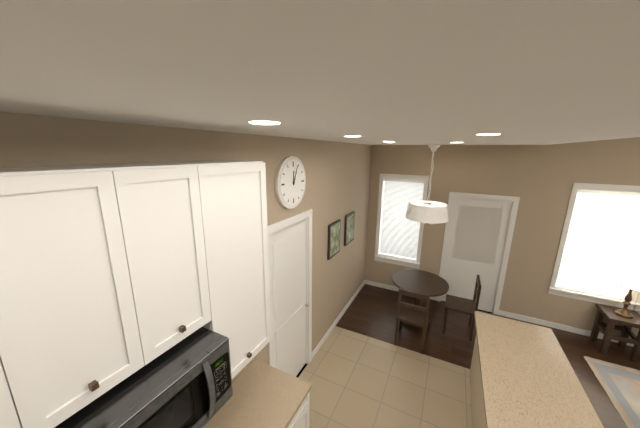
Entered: 12,04
